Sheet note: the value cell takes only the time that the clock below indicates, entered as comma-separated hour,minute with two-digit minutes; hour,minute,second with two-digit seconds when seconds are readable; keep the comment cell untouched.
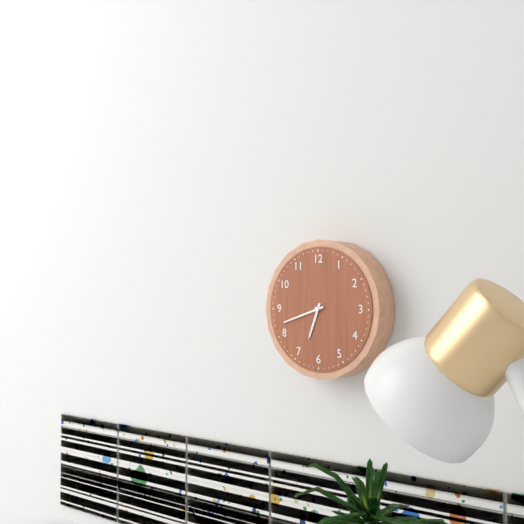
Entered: 6,42
